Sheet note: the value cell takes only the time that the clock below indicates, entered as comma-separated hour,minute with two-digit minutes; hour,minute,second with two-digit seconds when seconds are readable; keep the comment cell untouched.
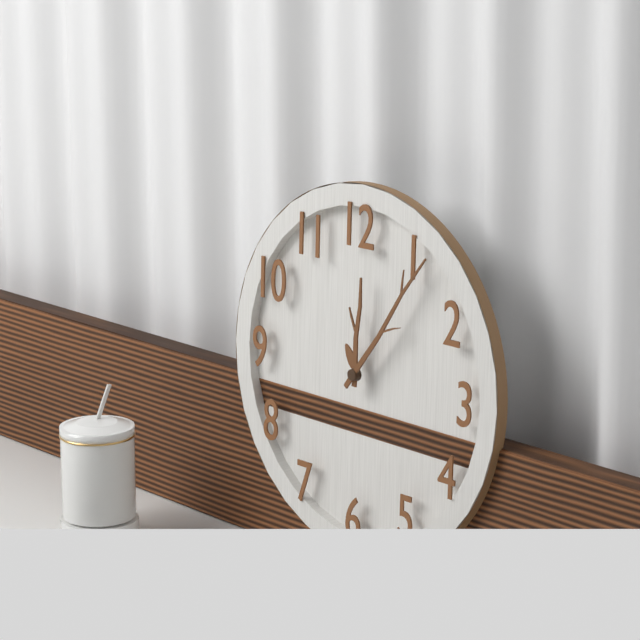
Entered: 12,06
